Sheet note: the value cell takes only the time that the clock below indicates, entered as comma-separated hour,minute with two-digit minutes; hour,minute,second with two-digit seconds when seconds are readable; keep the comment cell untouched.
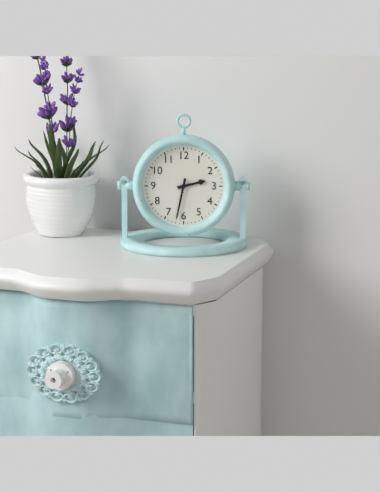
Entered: 2,32
